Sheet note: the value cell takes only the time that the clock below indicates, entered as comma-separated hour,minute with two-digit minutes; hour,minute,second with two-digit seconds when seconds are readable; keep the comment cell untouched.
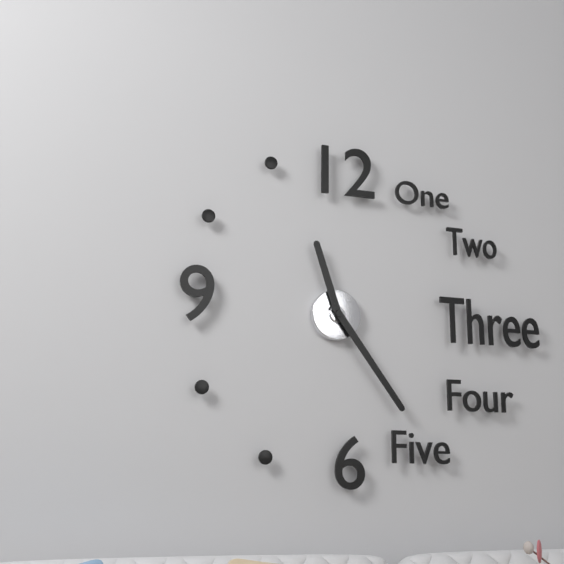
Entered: 11,24
